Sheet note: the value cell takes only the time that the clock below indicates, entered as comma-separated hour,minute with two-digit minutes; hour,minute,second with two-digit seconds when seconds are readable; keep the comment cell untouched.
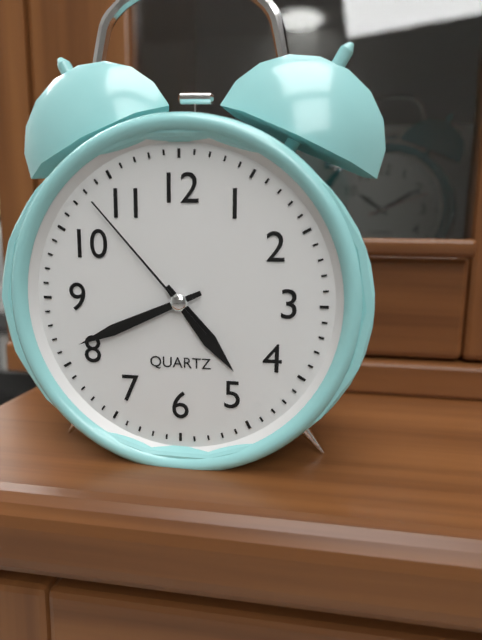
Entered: 4,41,53
